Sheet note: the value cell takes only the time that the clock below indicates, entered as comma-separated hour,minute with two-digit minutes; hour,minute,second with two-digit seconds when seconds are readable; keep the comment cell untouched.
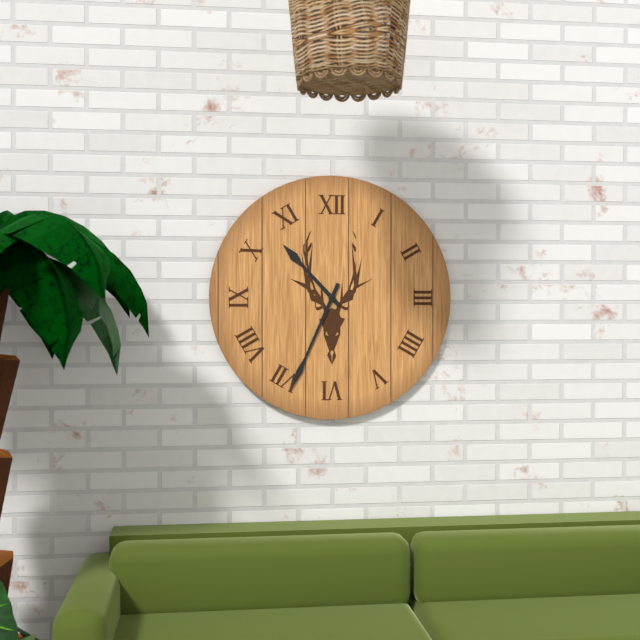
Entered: 10,34
